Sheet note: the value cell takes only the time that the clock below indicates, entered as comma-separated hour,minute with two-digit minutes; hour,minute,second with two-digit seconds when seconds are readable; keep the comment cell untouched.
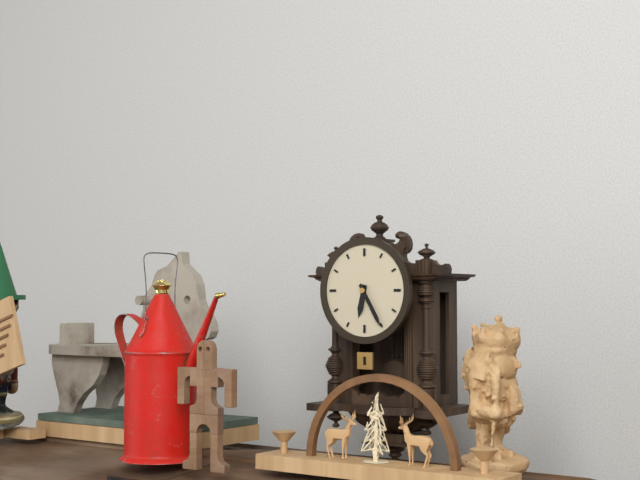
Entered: 6,25
